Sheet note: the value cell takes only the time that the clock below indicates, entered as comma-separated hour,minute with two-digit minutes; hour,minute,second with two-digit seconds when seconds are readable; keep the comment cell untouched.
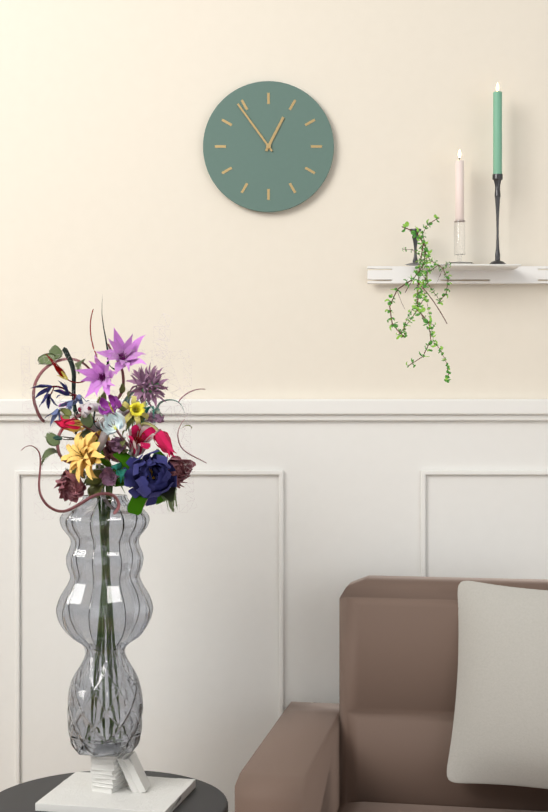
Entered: 12,54
